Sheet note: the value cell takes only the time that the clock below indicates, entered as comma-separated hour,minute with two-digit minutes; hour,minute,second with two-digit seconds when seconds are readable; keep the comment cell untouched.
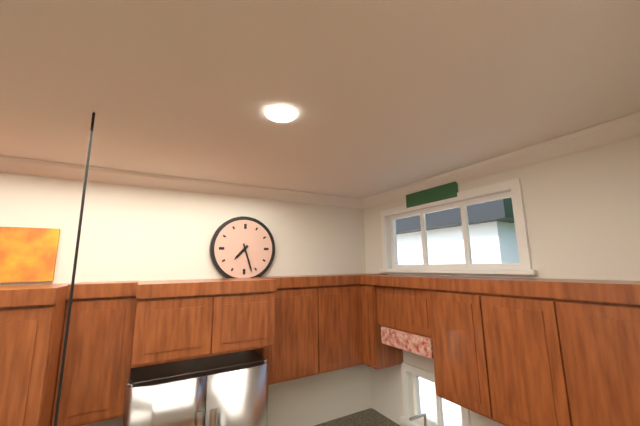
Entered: 7,27
